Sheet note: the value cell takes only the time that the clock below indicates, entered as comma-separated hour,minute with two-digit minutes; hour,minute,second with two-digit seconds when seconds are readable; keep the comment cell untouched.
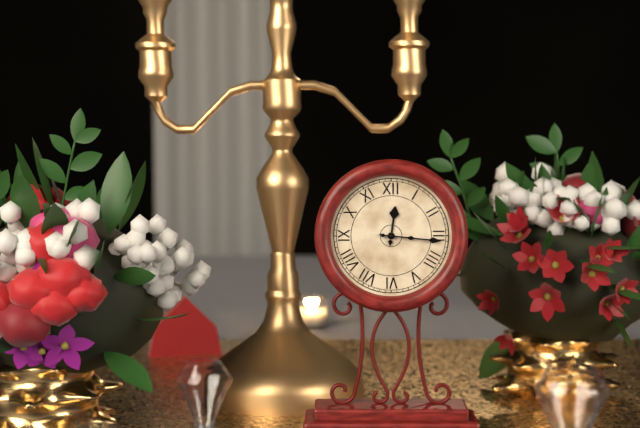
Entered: 12,16
